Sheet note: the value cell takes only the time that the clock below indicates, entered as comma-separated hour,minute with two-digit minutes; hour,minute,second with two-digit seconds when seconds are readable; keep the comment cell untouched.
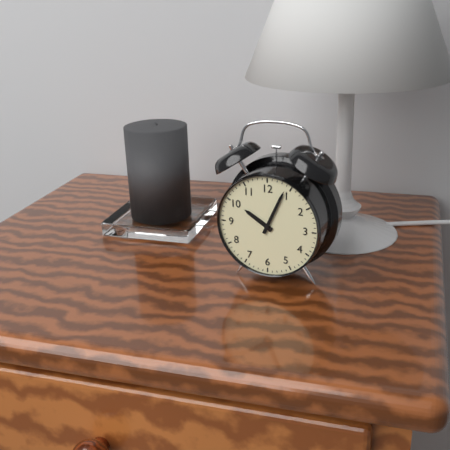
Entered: 10,04
